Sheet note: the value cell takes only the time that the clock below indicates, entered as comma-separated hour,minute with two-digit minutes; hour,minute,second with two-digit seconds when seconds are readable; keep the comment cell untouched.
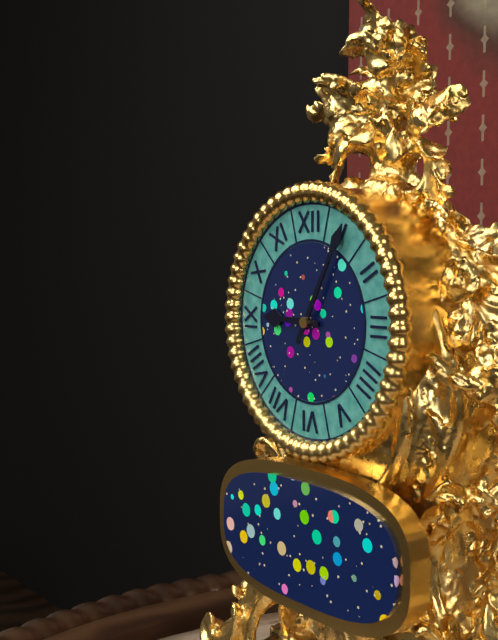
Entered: 9,05
